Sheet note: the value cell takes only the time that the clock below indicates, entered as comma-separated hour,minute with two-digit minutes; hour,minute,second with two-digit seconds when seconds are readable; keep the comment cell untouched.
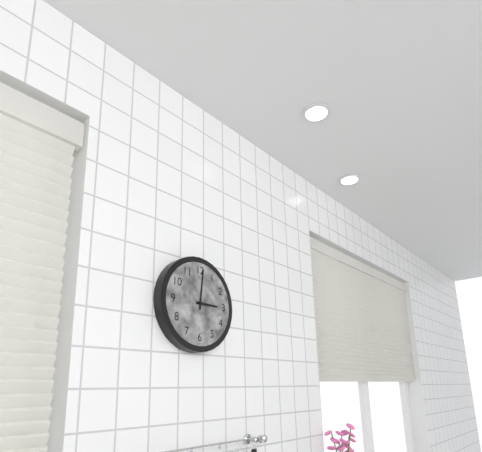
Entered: 3,01
